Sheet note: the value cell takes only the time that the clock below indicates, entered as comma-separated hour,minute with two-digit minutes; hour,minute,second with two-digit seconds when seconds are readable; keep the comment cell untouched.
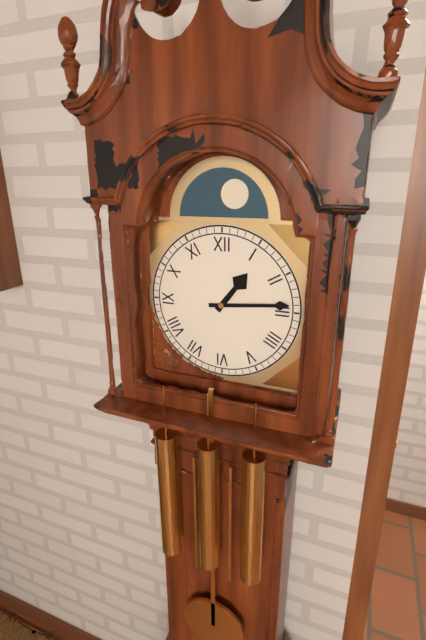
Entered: 1,14
